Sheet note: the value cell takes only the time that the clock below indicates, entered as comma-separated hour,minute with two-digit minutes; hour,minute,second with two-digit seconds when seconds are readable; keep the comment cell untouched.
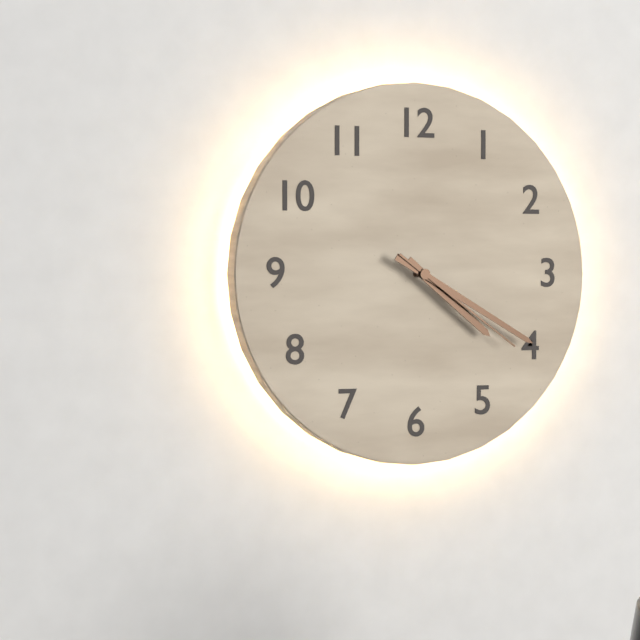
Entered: 4,20,21
